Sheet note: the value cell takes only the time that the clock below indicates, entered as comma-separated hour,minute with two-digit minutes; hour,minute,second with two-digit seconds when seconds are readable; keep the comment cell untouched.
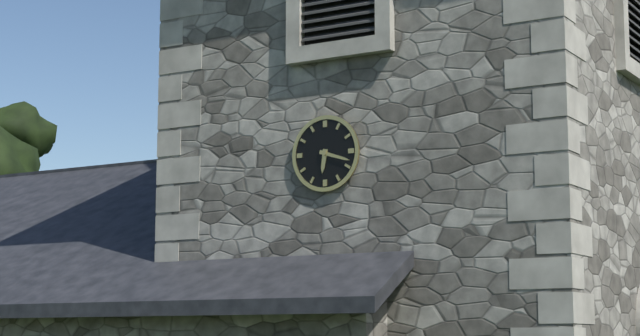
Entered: 6,18
